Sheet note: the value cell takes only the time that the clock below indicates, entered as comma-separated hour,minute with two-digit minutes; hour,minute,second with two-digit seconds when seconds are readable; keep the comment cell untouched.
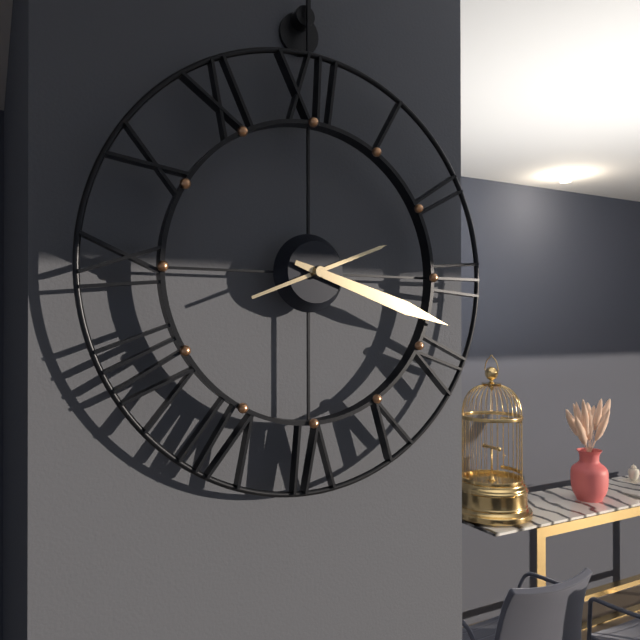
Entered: 2,18
